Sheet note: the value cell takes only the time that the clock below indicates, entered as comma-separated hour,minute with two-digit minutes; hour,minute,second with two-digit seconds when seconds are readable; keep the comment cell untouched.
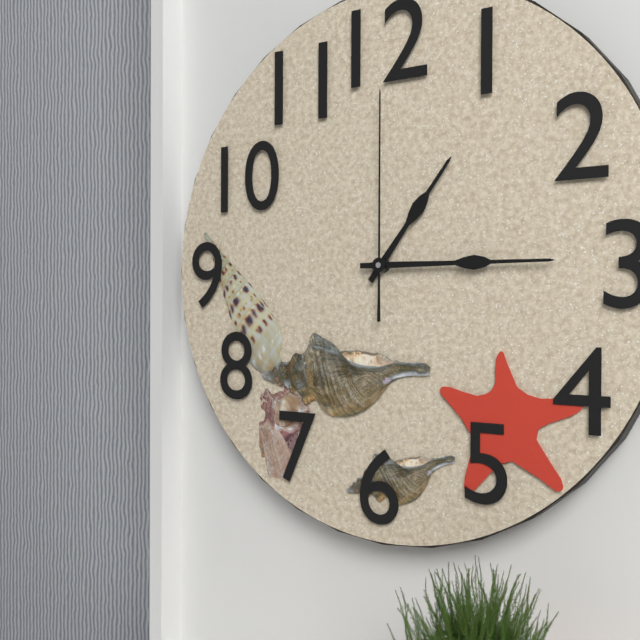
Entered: 1,15,00
